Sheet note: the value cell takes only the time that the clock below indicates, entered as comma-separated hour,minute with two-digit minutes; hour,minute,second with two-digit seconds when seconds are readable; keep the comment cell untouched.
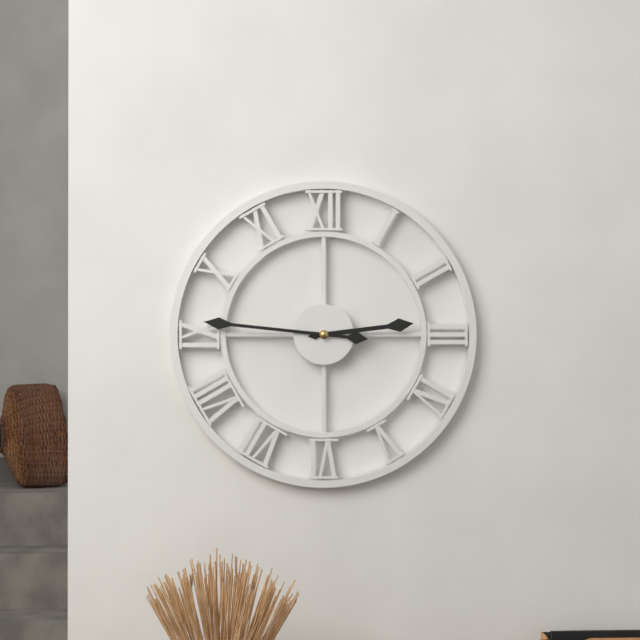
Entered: 2,46
